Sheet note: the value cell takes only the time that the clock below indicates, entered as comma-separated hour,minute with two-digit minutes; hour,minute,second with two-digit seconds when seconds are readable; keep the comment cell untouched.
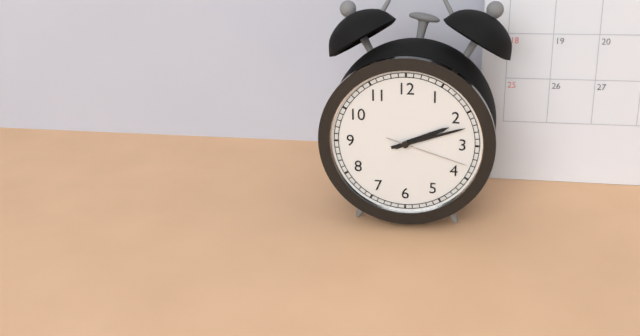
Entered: 2,12,18
